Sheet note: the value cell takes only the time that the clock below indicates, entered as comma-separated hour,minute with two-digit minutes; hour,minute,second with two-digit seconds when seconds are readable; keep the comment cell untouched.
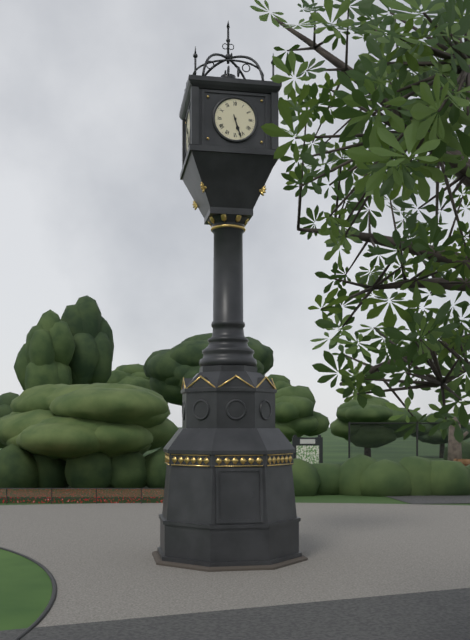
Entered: 5,27
